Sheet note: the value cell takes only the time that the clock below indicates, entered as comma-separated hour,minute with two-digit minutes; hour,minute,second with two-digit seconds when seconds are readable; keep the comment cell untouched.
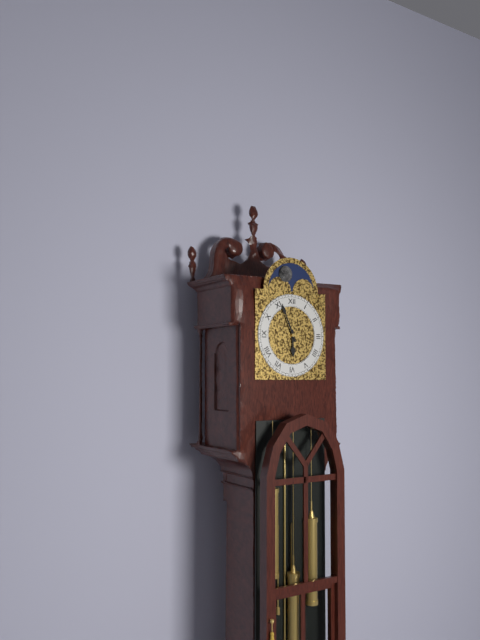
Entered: 5,56
